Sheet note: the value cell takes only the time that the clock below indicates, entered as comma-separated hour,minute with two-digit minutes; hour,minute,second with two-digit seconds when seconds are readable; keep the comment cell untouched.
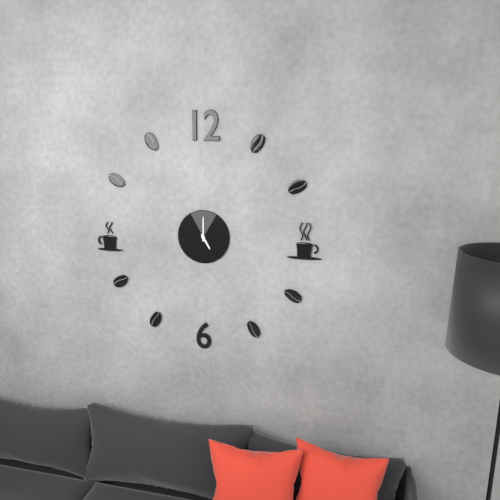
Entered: 5,00
